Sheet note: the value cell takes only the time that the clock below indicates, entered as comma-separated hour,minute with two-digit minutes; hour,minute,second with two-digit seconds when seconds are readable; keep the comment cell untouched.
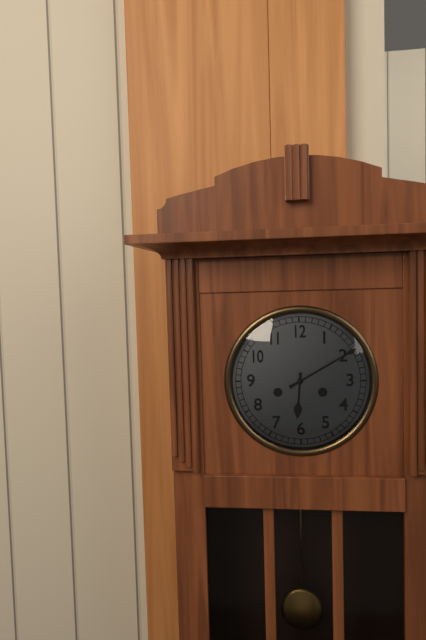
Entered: 6,10
